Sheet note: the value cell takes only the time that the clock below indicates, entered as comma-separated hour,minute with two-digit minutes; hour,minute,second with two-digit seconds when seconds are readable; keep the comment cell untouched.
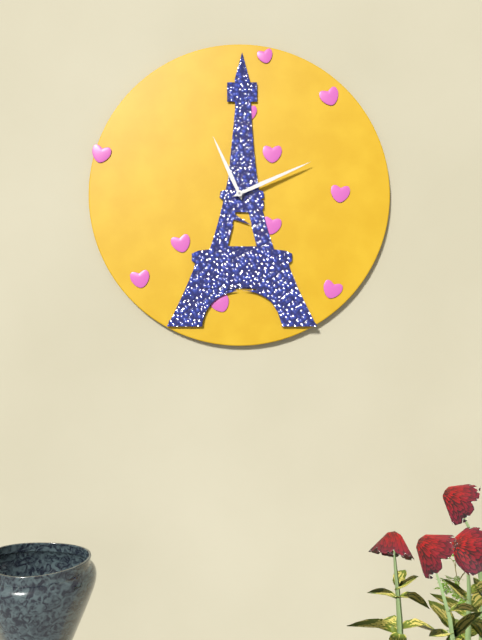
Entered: 11,11
